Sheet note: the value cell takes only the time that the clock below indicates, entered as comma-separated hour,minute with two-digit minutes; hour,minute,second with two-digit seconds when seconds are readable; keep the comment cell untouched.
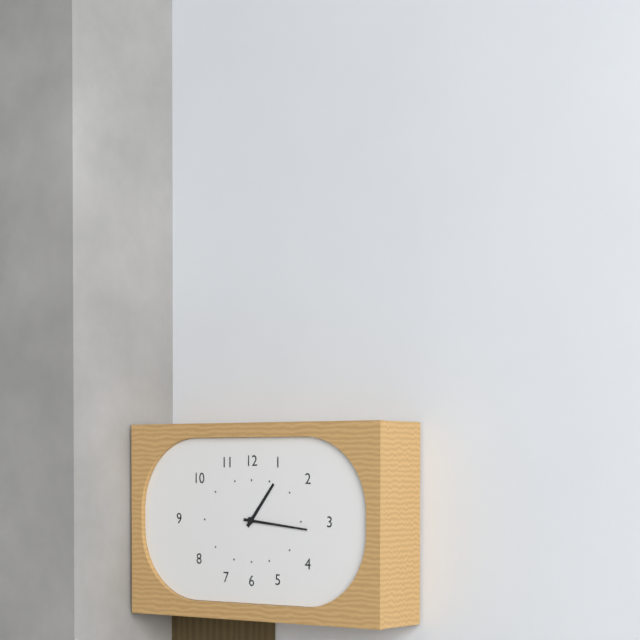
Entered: 1,16
